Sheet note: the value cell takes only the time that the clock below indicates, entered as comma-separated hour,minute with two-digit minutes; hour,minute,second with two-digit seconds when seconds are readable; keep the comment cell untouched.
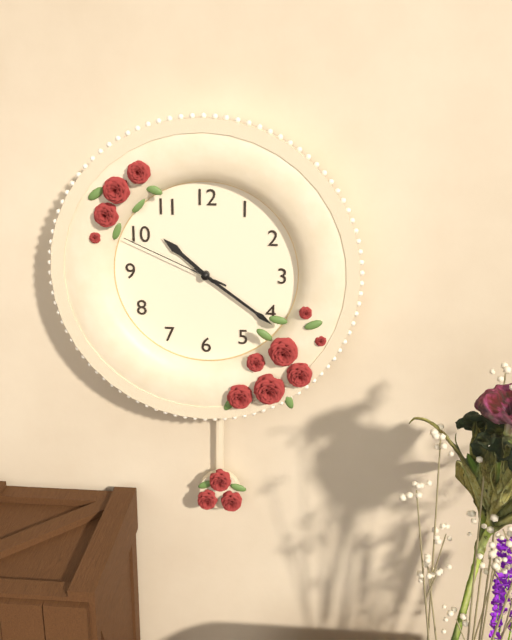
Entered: 10,21,49
